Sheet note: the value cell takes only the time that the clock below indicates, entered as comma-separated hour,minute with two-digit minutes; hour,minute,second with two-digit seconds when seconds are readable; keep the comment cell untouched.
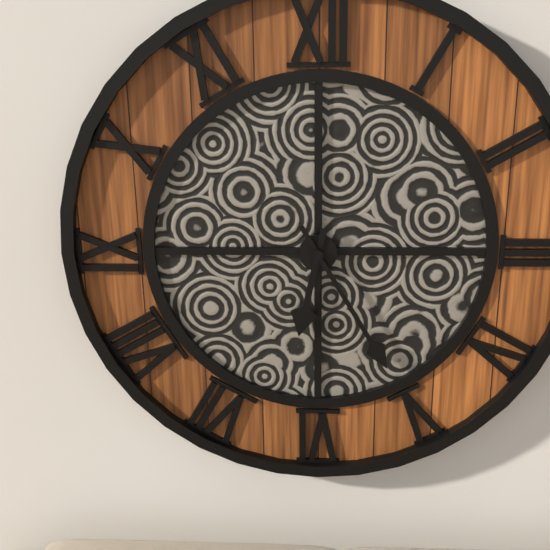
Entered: 6,25
